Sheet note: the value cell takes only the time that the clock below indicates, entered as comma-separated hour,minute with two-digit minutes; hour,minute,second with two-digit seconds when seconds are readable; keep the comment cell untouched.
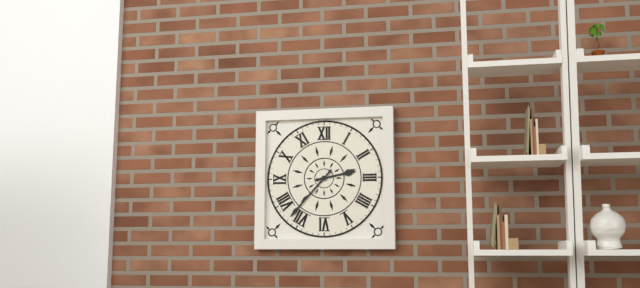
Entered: 2,37
